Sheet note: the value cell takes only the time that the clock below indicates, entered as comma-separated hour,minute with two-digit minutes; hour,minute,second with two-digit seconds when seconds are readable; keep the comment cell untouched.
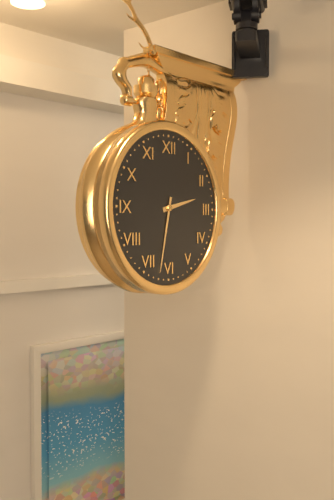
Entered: 2,32
